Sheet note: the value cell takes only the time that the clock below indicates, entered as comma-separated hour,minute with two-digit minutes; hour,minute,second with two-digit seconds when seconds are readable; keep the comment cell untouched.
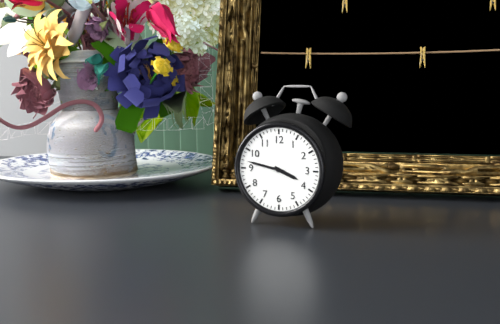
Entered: 3,47
